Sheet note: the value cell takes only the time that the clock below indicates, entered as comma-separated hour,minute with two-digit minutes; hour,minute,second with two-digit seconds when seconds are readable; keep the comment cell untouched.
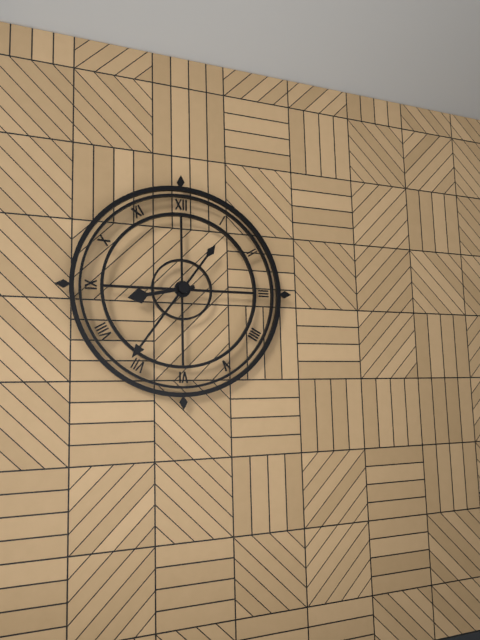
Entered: 8,36
